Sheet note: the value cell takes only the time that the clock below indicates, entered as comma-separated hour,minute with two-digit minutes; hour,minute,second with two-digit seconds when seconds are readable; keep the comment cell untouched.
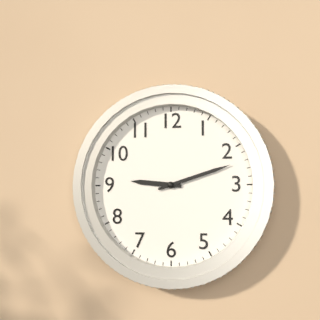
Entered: 9,12
